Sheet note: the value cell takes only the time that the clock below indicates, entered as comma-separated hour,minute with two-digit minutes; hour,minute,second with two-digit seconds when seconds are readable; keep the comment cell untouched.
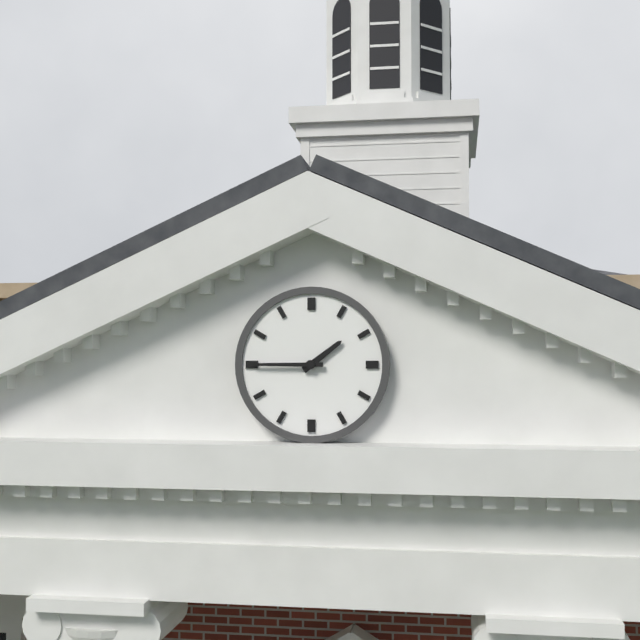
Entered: 1,45
